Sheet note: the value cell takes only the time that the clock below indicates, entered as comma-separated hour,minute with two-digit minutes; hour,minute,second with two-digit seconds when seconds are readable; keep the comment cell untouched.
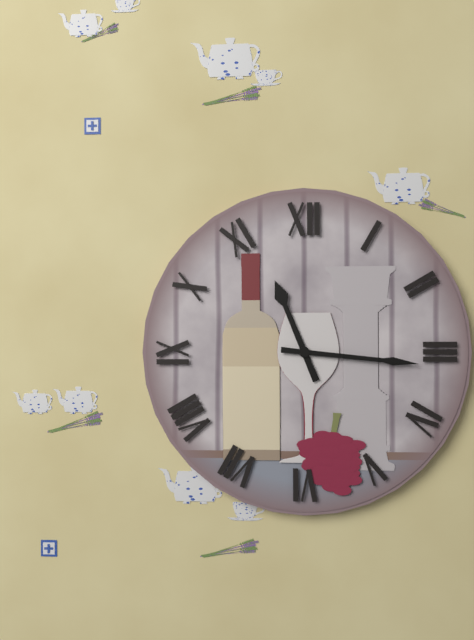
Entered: 11,16
